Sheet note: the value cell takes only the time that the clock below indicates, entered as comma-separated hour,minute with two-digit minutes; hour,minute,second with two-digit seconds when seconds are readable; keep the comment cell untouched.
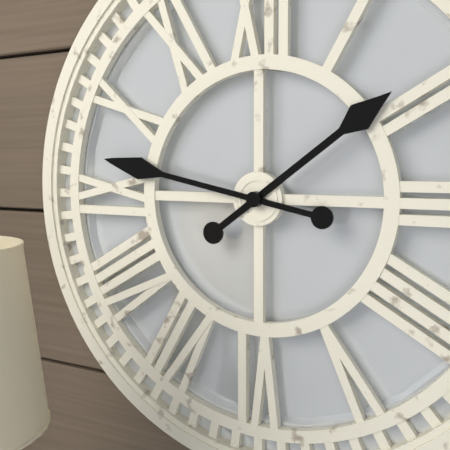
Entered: 1,47
